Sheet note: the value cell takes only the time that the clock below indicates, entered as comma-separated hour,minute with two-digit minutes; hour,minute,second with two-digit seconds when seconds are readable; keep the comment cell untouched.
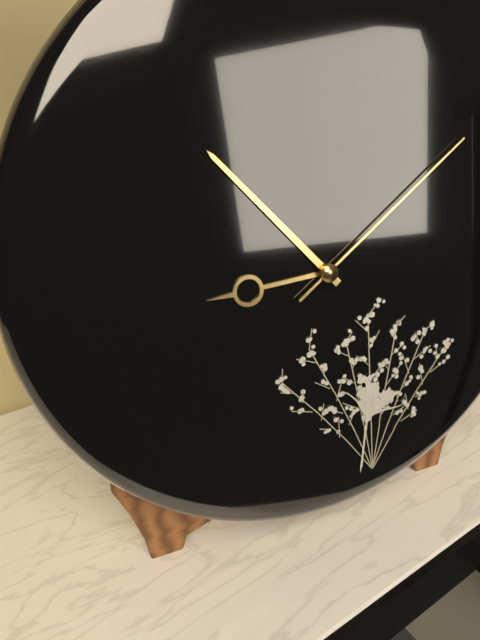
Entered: 8,53,09
